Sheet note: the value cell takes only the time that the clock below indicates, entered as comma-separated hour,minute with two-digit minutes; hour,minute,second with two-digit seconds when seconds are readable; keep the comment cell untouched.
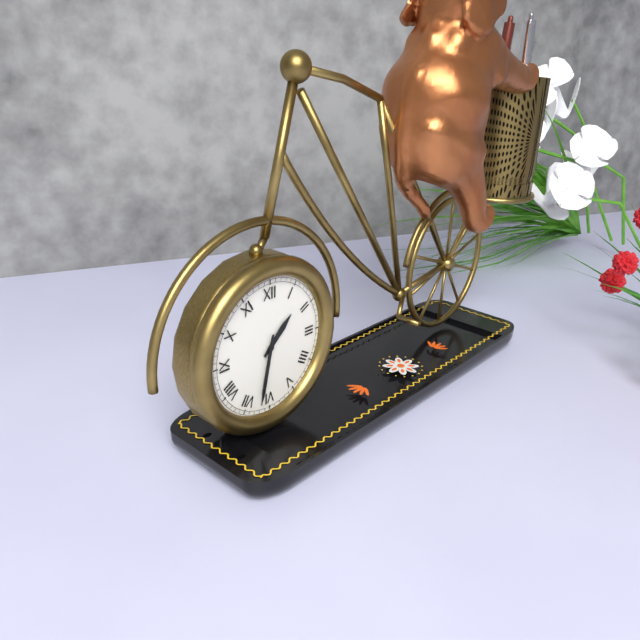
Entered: 1,32
